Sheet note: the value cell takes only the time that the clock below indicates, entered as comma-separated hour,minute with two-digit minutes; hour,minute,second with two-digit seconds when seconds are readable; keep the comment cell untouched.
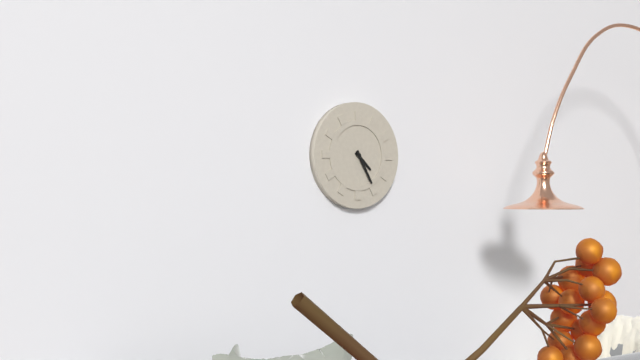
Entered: 4,25
